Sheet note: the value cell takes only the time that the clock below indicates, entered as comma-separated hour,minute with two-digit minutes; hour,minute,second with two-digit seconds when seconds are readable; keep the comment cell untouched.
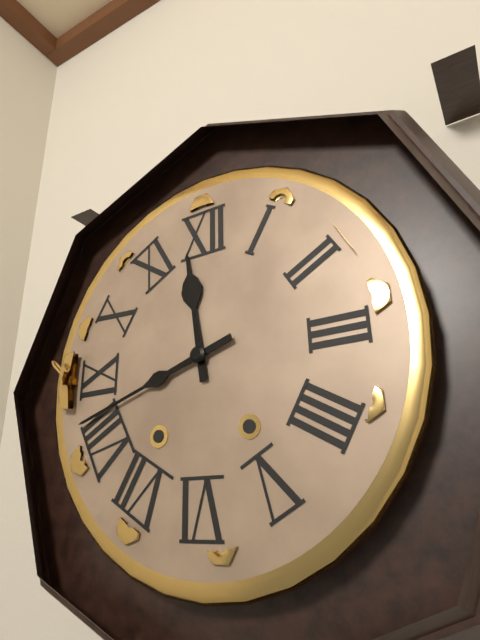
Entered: 11,42
